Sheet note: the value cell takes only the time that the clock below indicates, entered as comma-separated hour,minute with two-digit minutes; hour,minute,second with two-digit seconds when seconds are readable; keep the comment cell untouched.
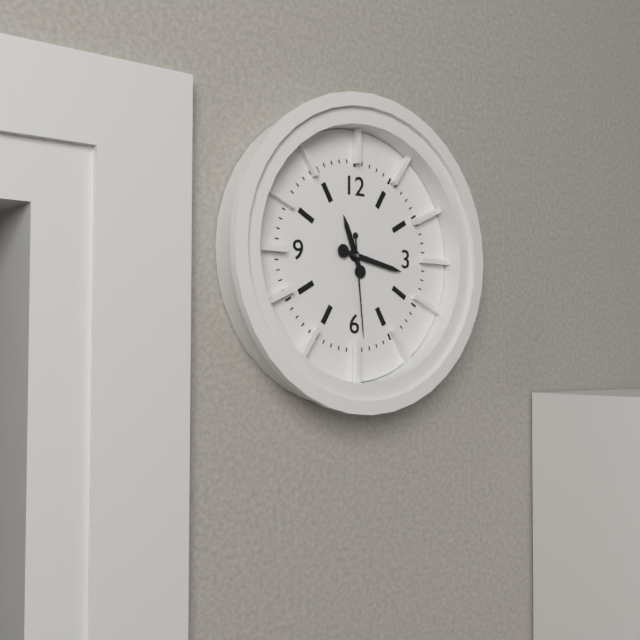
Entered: 11,17,29
